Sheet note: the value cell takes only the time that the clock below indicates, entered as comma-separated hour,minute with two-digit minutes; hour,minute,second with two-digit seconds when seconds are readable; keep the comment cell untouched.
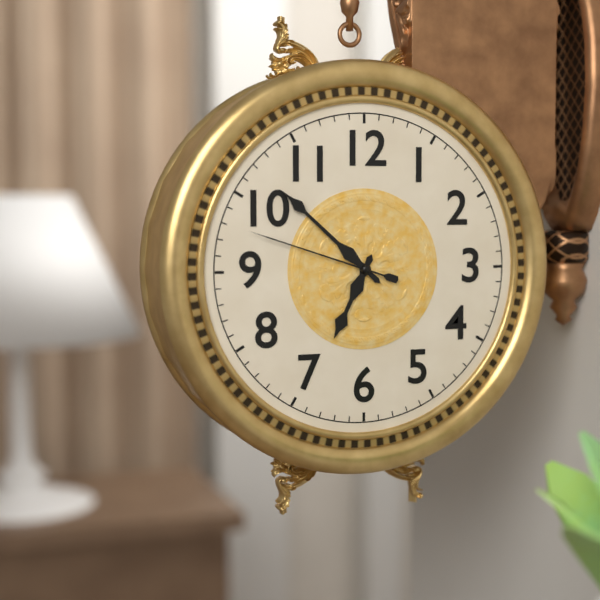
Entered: 6,52,48
